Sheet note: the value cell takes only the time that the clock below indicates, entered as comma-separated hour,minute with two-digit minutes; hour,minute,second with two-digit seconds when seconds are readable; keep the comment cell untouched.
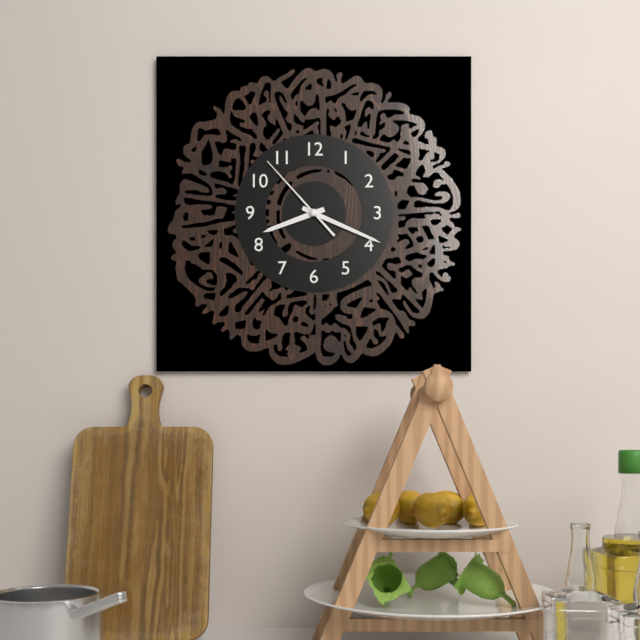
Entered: 8,19,53
